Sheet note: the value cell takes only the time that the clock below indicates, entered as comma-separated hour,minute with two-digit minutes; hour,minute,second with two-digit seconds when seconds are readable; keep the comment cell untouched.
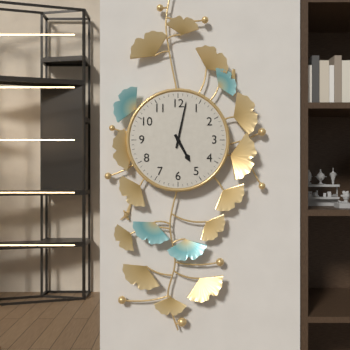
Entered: 5,02
